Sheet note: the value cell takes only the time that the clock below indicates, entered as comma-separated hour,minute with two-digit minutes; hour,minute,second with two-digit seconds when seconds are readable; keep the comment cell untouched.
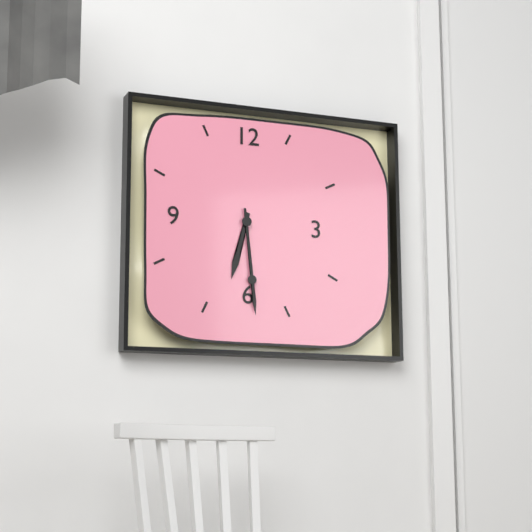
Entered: 6,29
